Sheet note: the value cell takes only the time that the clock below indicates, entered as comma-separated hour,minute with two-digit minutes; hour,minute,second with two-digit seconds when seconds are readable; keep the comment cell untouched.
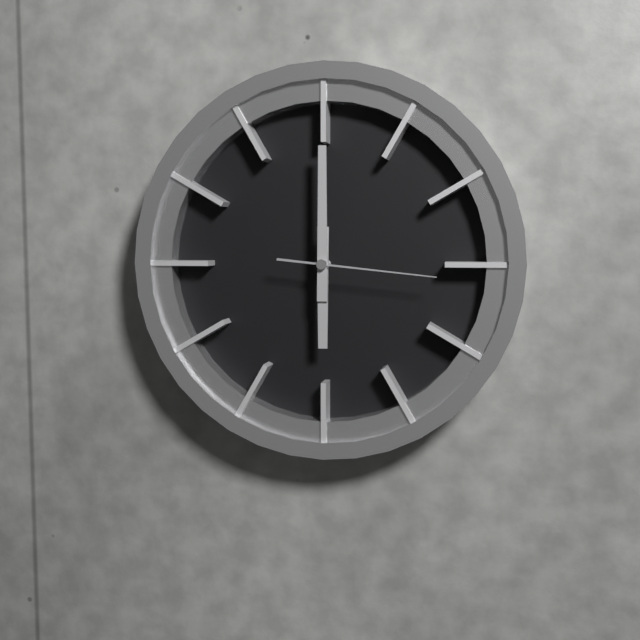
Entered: 6,00,16
